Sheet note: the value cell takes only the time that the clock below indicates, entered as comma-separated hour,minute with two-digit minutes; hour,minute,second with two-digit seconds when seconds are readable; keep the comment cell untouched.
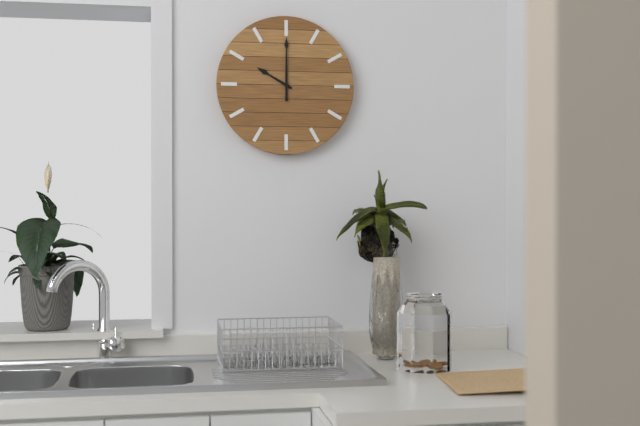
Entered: 10,00
